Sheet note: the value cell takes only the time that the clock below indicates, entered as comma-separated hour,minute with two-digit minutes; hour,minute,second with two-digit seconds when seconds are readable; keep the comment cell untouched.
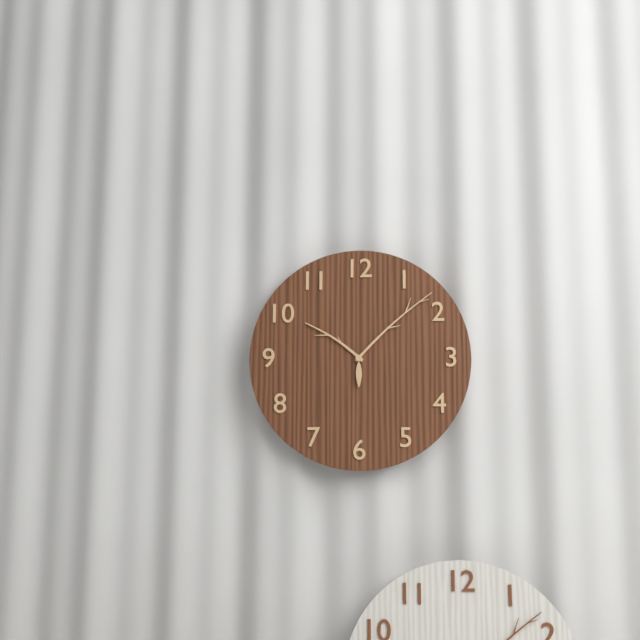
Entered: 10,08
